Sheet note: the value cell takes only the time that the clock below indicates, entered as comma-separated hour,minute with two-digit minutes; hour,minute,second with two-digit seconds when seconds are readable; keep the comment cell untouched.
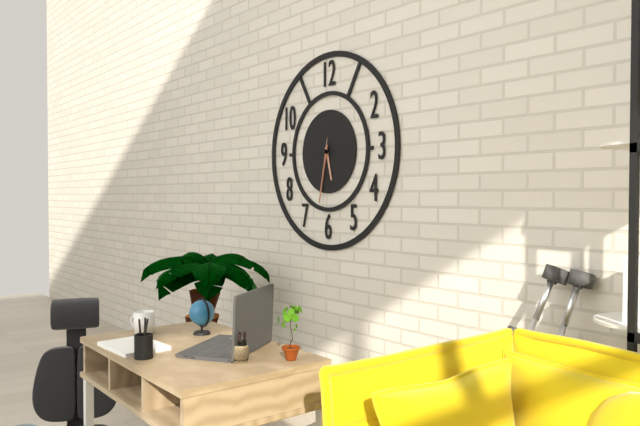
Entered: 5,32,32
